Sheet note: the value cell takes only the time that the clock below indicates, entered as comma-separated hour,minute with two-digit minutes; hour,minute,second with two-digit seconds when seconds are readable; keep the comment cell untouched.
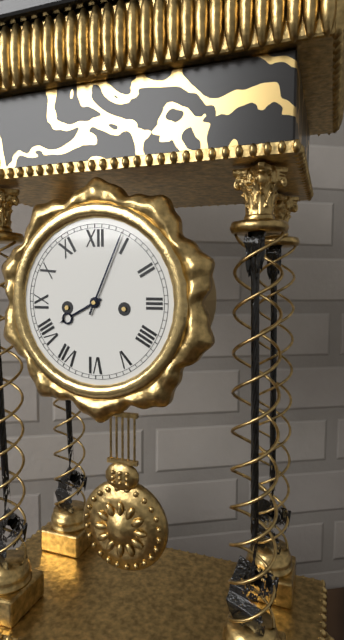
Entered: 8,04
